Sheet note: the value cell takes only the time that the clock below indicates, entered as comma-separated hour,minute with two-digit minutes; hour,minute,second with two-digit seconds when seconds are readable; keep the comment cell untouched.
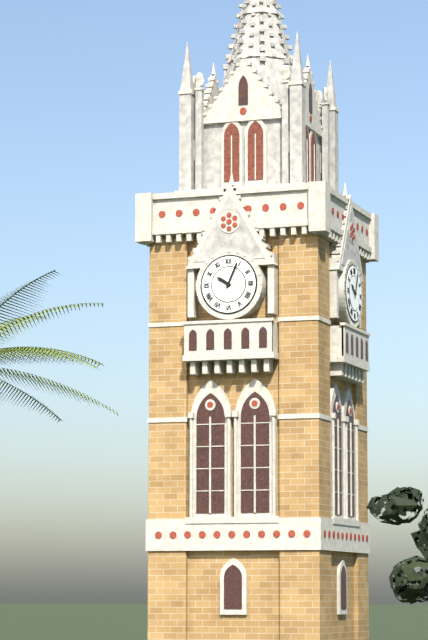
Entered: 10,04
